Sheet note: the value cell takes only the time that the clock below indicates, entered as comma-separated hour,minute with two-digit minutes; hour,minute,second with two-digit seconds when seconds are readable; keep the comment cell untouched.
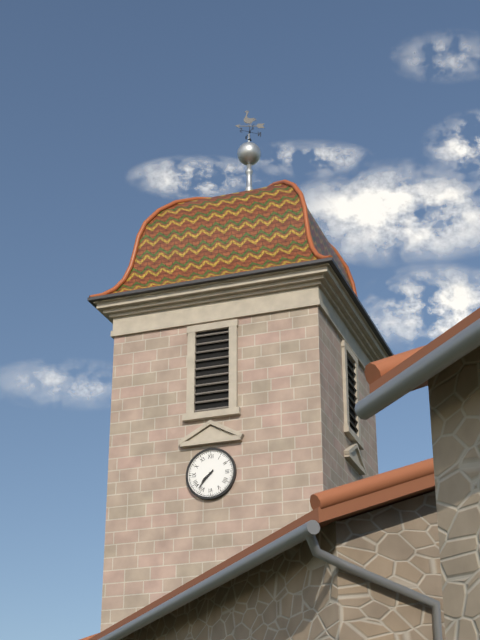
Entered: 7,37
